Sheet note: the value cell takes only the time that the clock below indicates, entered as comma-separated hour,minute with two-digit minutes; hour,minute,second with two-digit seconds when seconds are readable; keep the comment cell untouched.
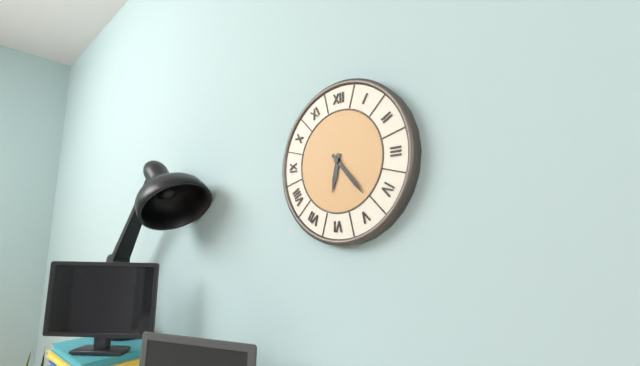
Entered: 6,23
